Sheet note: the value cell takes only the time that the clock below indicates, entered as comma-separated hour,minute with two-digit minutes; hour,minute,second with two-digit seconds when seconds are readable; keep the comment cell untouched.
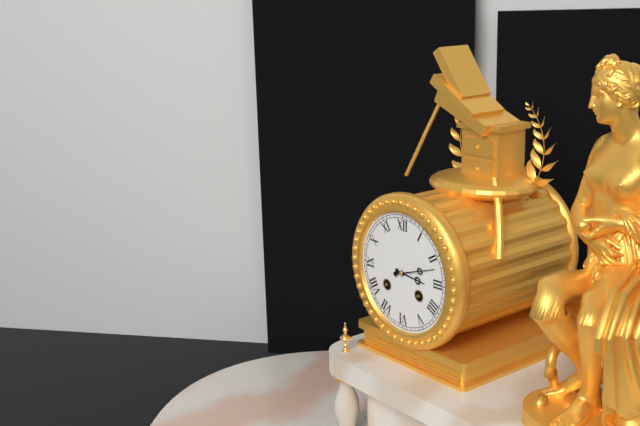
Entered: 3,12
